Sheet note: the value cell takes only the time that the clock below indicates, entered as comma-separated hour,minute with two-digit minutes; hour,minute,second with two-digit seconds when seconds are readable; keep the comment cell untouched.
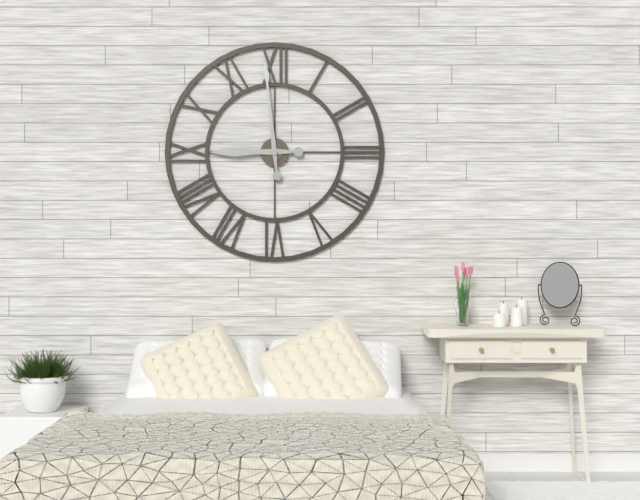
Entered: 8,59
